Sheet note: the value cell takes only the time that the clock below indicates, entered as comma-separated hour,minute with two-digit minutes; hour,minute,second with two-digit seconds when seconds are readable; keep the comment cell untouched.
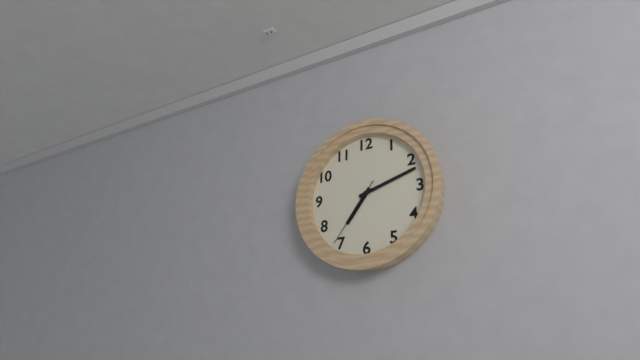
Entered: 7,12,36
